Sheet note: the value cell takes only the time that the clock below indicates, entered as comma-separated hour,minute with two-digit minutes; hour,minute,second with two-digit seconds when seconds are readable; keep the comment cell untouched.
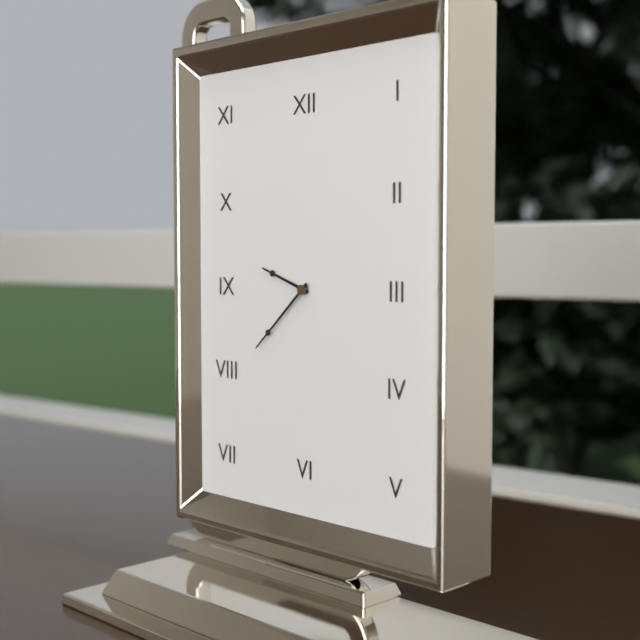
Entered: 9,38
